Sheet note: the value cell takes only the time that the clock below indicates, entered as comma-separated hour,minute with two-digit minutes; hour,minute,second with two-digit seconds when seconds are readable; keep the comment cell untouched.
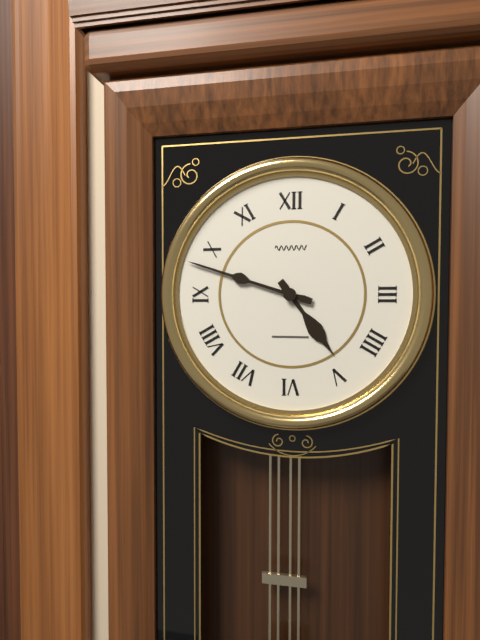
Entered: 4,48
